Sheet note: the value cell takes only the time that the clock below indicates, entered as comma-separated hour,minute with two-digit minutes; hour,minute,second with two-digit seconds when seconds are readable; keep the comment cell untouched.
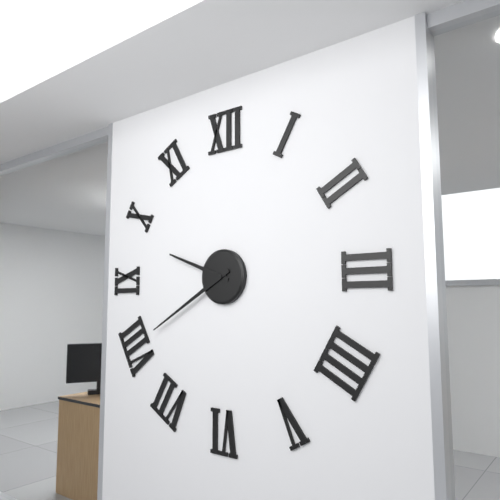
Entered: 9,40
